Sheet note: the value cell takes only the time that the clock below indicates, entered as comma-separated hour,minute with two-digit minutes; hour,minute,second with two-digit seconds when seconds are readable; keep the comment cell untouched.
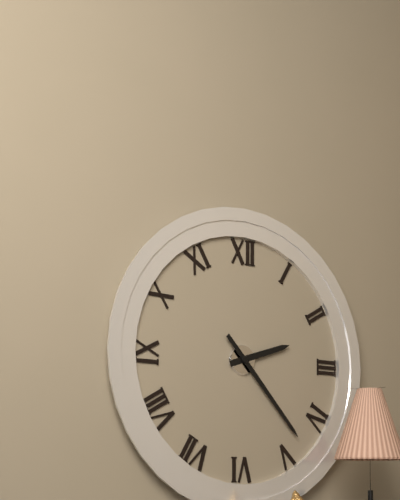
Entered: 2,23
